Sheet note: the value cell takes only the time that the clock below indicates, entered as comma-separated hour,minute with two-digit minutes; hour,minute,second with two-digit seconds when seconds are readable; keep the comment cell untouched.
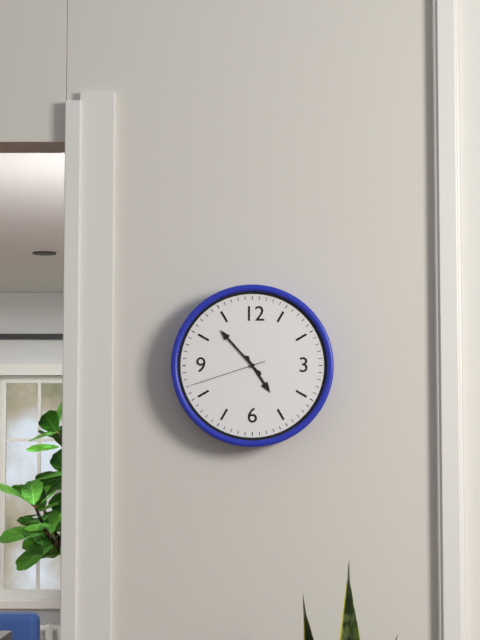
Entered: 4,53,42
